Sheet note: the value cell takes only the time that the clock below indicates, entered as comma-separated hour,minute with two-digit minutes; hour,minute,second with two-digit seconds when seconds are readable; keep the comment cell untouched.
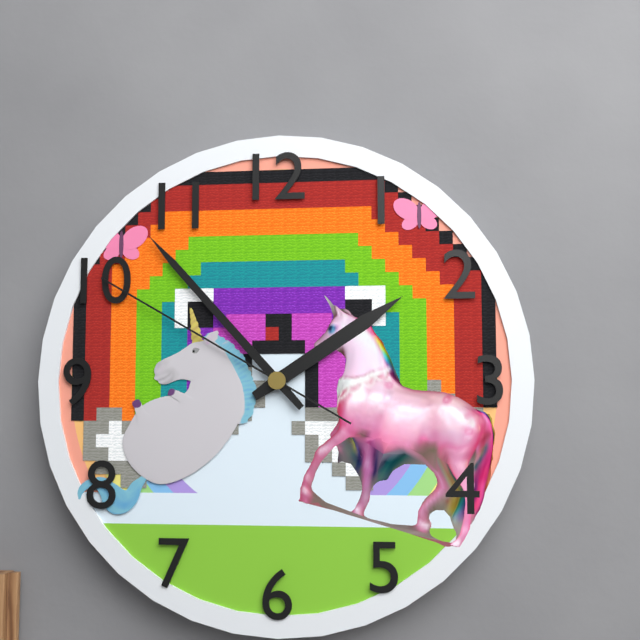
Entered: 1,53,50
